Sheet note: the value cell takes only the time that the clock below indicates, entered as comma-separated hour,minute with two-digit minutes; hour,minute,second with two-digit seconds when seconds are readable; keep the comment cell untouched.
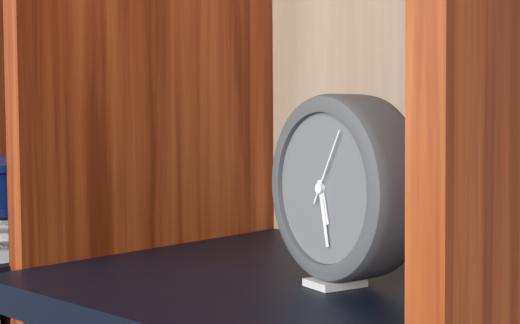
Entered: 5,28,05
